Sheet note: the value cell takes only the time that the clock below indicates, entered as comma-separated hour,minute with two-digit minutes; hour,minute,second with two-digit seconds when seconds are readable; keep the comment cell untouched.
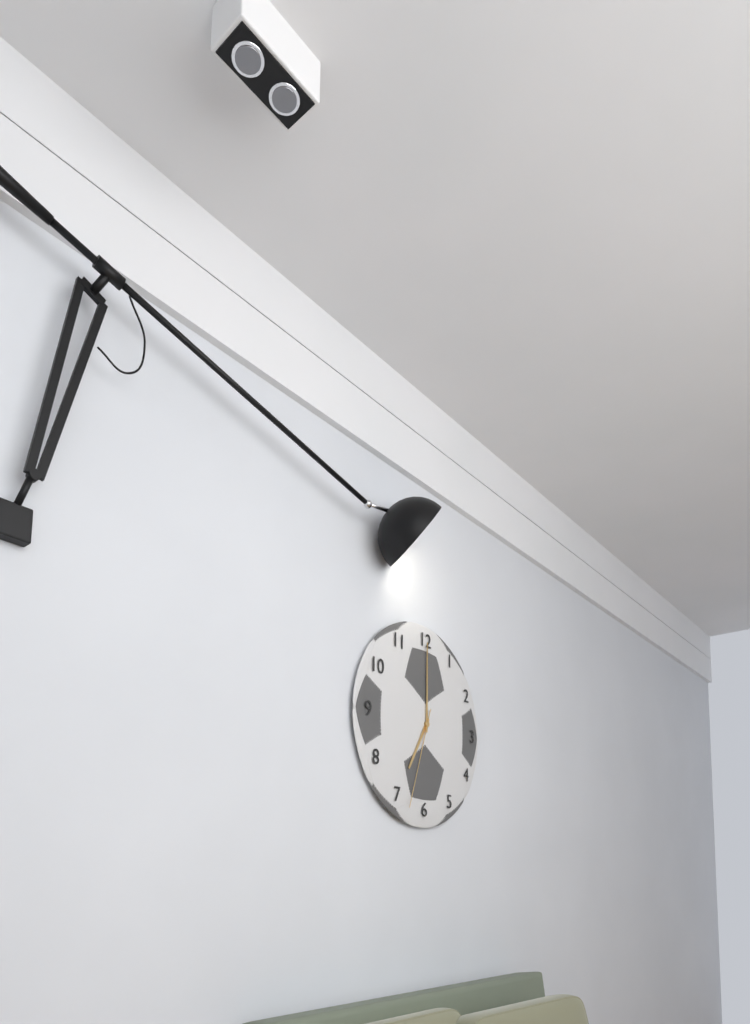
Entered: 7,00,33
